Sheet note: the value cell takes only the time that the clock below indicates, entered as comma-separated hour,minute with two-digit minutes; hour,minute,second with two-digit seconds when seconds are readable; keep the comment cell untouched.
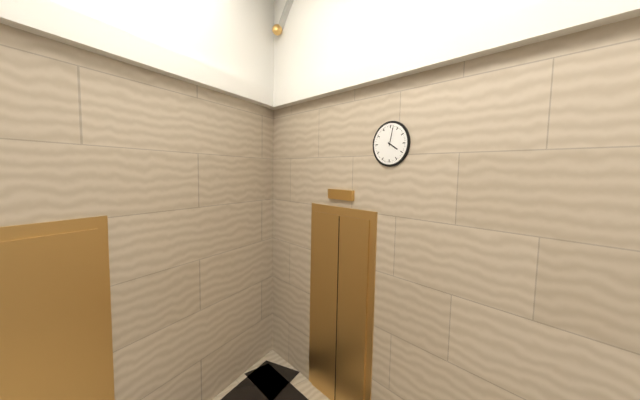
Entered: 4,02
